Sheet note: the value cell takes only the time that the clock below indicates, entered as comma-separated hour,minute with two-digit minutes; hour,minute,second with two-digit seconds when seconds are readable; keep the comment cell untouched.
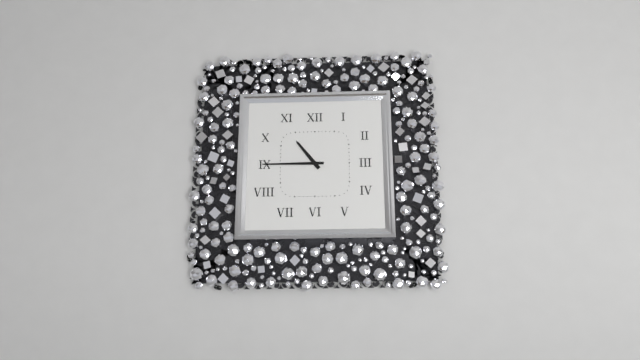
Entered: 10,45
